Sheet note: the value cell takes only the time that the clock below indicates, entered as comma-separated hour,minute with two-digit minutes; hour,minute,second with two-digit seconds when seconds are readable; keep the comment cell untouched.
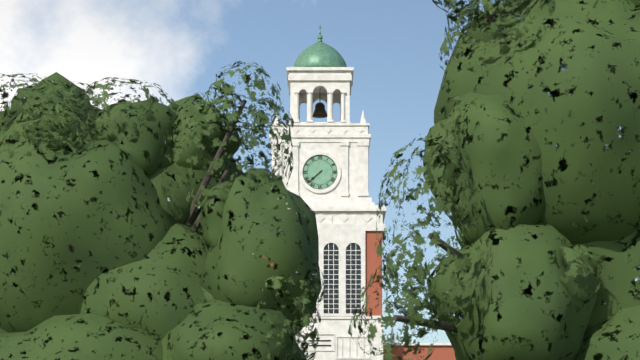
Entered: 7,38
